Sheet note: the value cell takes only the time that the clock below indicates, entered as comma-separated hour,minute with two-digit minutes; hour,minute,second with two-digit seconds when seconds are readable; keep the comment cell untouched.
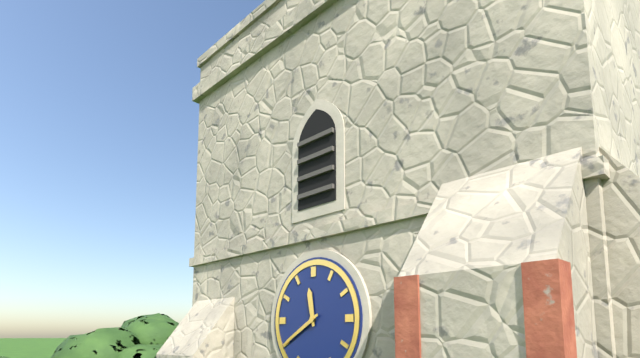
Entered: 11,40
